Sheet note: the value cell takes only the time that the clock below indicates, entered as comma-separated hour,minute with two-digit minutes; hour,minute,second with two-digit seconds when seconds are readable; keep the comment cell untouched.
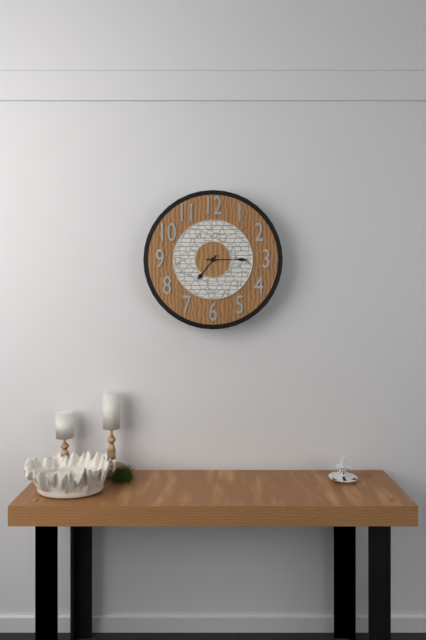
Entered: 7,15
